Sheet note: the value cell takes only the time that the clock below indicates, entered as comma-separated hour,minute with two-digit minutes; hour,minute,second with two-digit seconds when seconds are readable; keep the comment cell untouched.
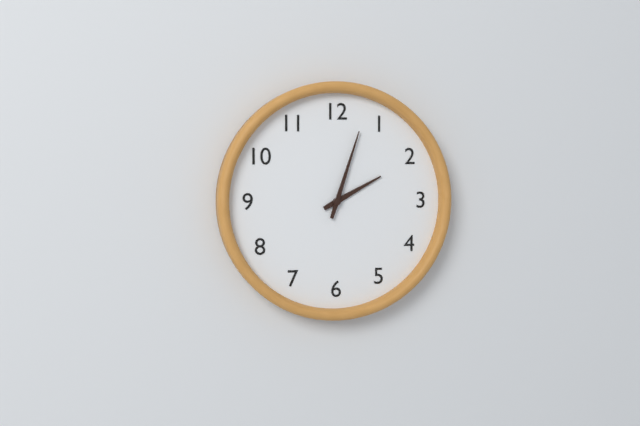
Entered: 2,03
